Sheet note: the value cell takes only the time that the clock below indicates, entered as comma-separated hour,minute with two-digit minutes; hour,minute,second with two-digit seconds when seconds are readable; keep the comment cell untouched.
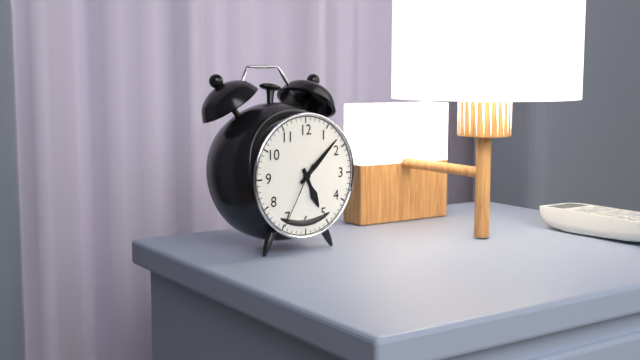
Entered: 5,08,35
